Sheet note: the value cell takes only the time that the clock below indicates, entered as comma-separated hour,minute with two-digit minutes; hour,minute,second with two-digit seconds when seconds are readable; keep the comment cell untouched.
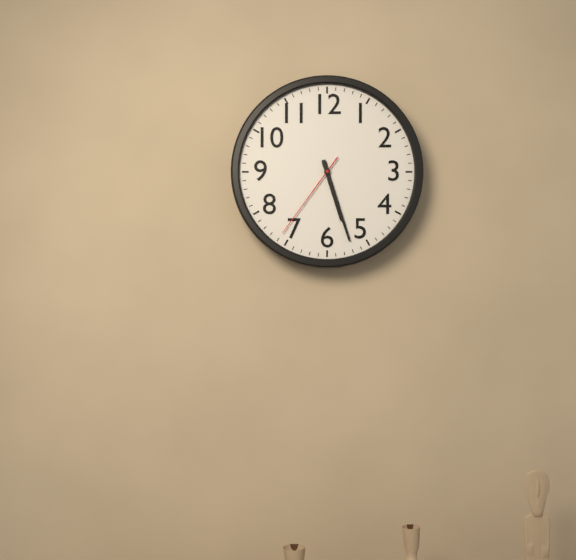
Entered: 5,27,36
